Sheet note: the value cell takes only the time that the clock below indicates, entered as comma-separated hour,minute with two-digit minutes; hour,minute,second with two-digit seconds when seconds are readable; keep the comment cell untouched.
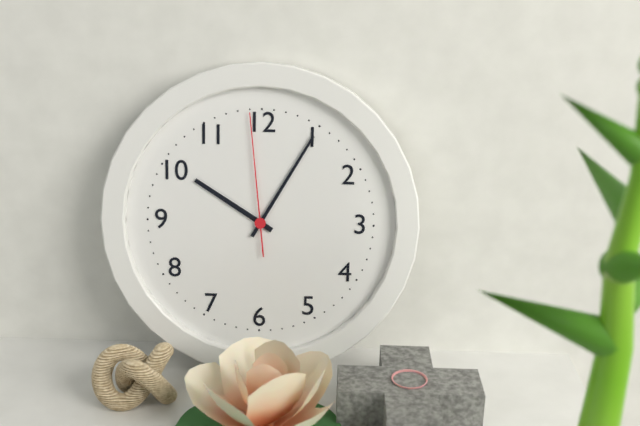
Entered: 10,05,59
